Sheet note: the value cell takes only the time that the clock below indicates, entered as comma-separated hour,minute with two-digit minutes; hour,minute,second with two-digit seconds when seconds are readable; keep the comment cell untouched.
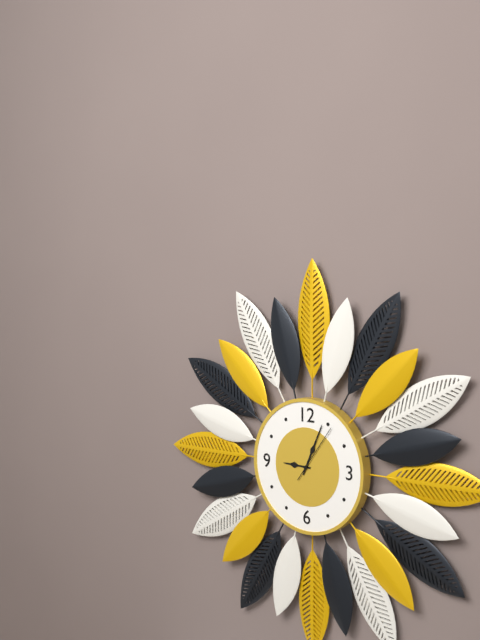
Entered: 9,04,06
